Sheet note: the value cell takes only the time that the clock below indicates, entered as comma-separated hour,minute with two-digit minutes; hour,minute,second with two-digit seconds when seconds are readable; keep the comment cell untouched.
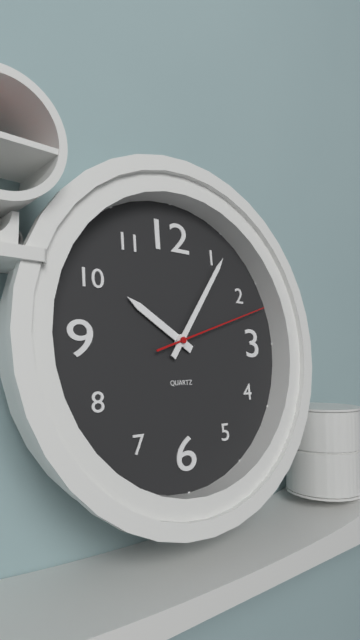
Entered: 10,06,12
